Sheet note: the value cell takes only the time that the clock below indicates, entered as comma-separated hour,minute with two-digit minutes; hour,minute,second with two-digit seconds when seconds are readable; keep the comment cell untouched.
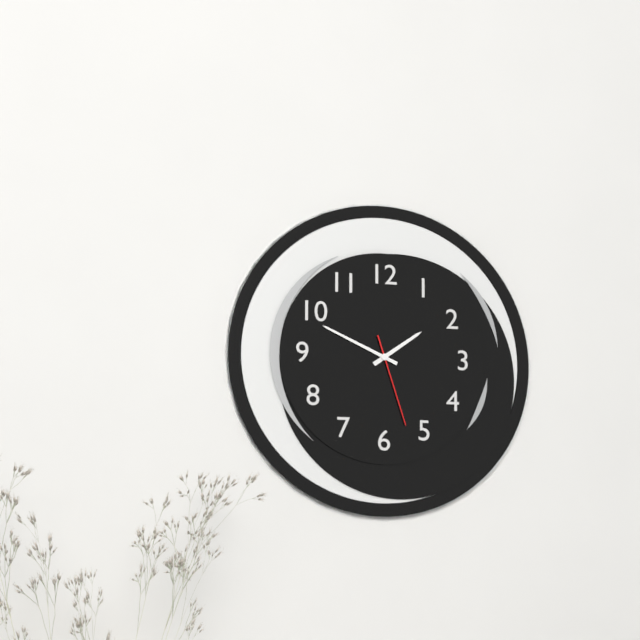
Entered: 1,49,27
